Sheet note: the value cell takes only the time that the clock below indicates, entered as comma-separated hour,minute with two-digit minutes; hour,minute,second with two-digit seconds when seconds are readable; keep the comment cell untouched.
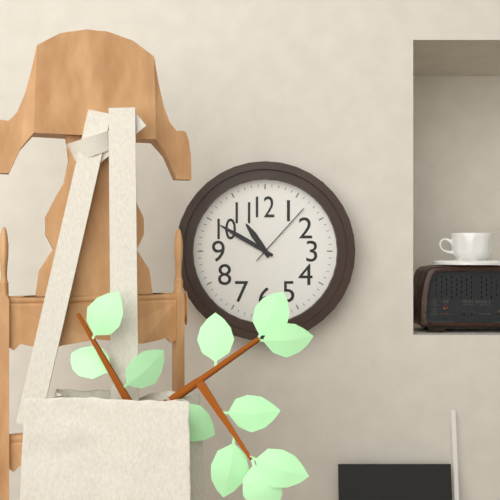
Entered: 10,50,07
